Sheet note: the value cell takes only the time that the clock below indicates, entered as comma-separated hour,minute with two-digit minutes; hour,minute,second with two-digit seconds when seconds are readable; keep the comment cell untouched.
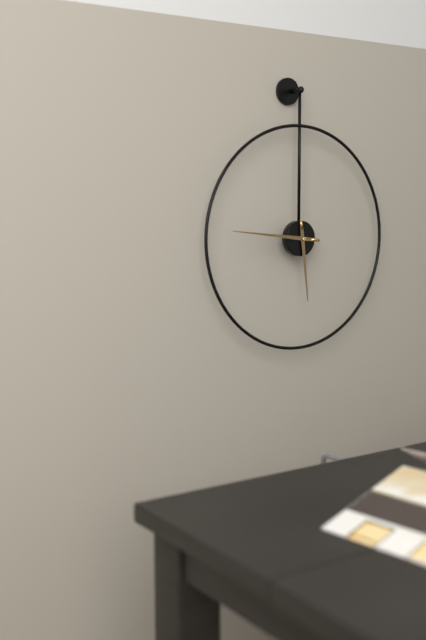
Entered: 5,46
